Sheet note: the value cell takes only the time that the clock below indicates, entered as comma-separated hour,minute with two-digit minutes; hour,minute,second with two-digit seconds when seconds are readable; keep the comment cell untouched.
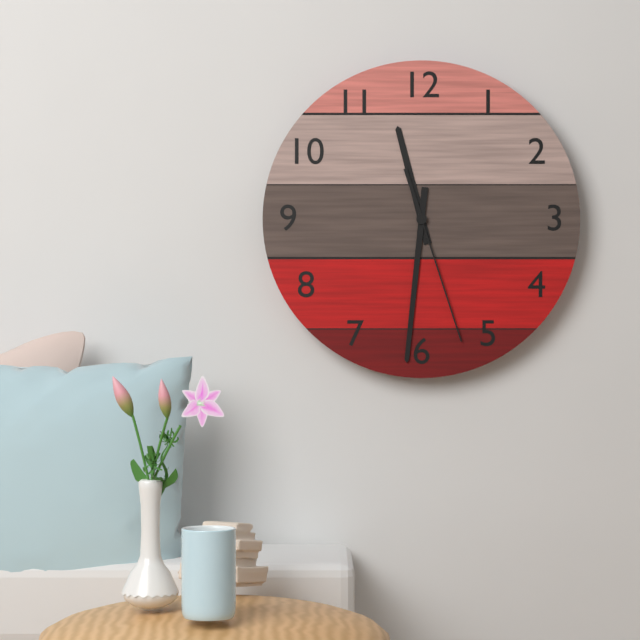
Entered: 11,31,27
